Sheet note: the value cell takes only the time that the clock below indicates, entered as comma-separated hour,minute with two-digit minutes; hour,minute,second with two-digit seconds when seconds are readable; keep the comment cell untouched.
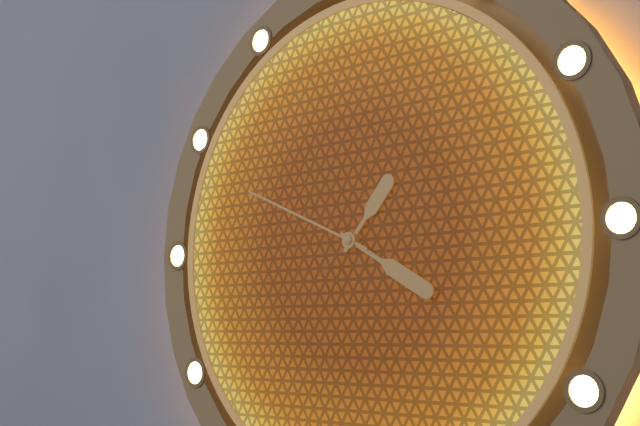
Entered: 1,20,49
